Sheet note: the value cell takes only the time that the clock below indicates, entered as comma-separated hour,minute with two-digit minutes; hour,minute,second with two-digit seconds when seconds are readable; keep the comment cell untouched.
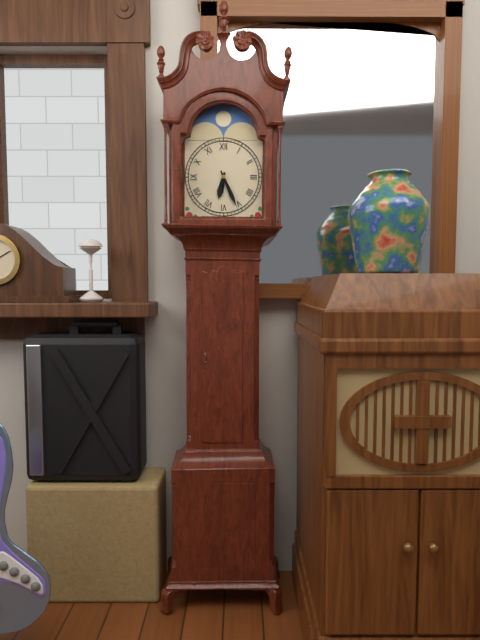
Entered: 6,26
